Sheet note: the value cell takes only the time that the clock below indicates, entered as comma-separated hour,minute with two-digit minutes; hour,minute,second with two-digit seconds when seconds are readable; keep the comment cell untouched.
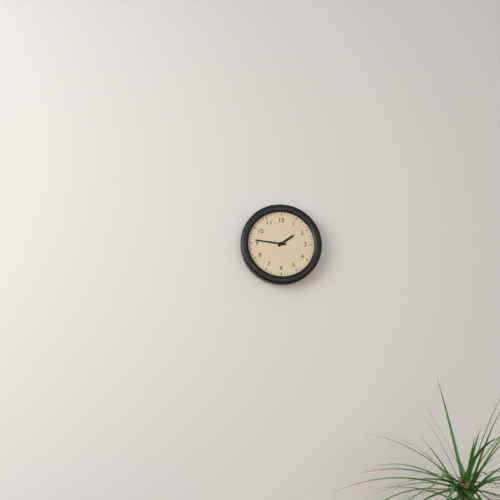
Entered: 1,46
